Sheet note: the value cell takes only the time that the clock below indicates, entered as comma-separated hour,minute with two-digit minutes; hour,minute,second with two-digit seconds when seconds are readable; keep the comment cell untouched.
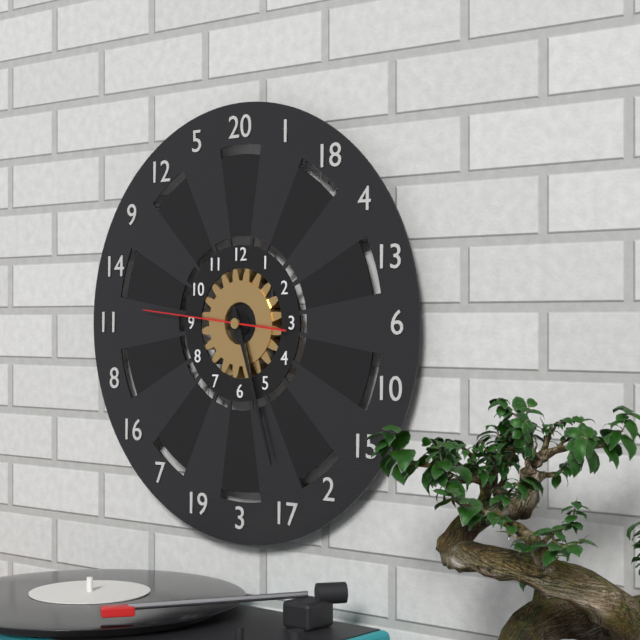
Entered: 5,27,46
